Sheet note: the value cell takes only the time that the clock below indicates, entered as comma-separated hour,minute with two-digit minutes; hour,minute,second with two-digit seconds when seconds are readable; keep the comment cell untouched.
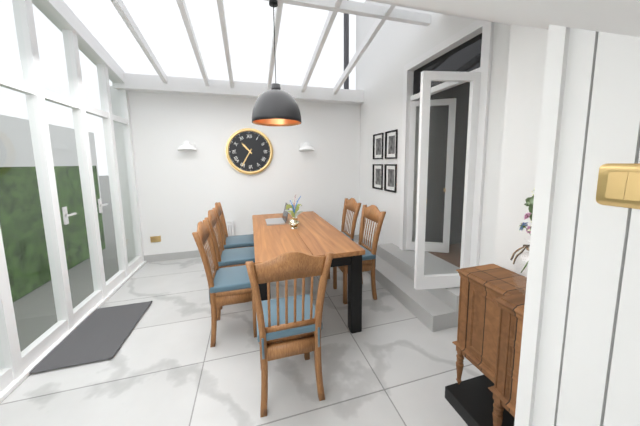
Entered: 10,35
